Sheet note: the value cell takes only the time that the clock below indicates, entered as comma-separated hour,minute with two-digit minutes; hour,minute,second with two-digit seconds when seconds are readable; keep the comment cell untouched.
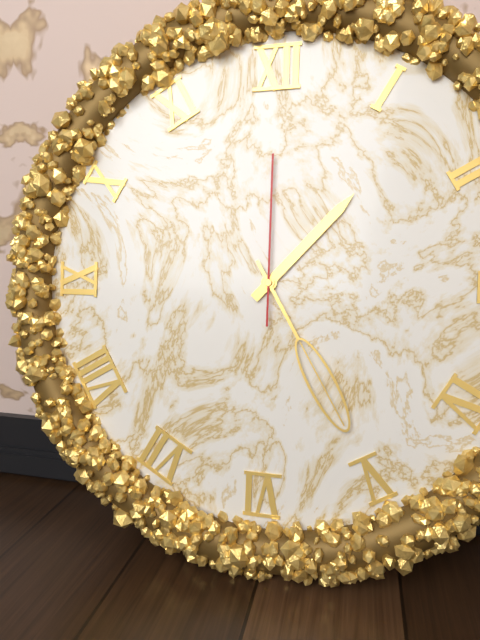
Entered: 1,25,00
